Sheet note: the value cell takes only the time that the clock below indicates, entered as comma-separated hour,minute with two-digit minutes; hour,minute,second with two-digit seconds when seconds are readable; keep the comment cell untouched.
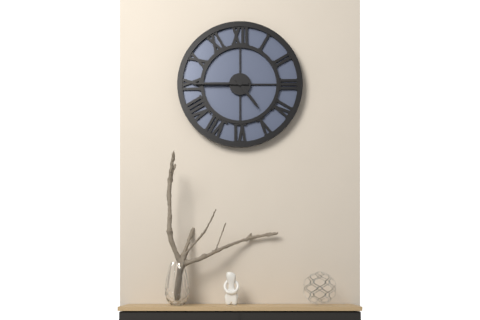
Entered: 4,45
